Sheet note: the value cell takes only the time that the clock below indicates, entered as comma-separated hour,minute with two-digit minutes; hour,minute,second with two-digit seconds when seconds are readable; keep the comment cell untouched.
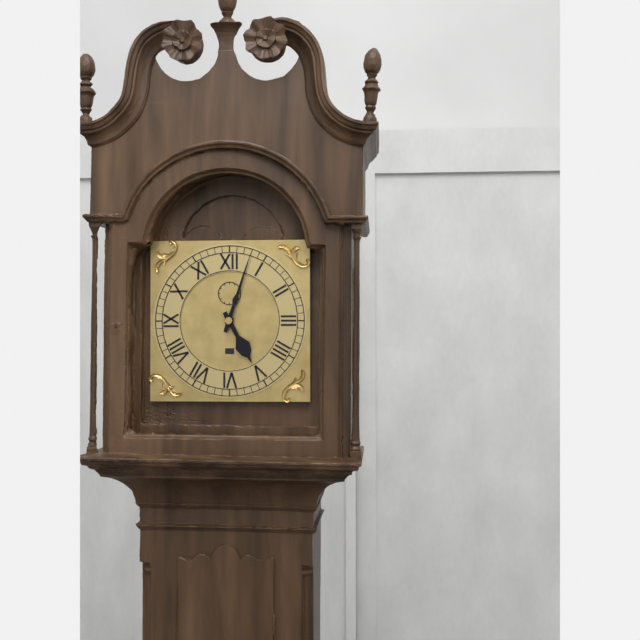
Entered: 5,03
